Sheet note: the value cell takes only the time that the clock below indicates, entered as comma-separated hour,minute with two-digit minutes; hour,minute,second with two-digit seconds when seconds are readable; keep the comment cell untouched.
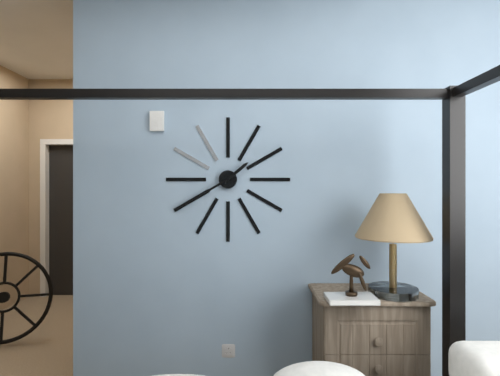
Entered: 1,40
